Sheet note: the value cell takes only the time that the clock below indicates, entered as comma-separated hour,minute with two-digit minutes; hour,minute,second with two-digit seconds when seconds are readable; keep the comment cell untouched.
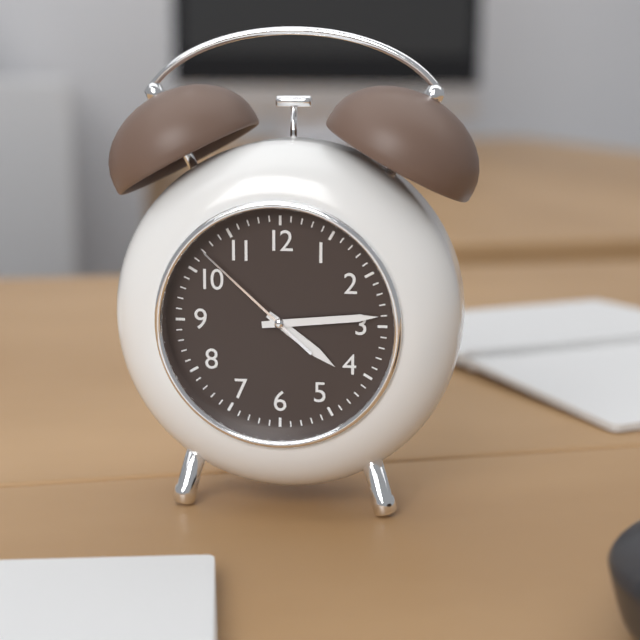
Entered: 4,14,52
